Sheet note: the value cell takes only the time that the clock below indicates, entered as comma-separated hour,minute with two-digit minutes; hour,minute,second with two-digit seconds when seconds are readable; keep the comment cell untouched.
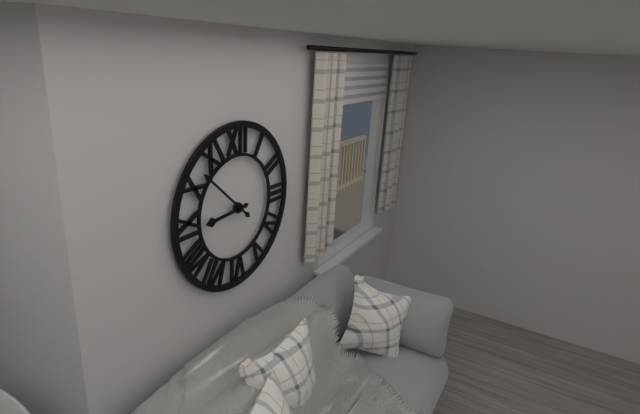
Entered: 8,52
